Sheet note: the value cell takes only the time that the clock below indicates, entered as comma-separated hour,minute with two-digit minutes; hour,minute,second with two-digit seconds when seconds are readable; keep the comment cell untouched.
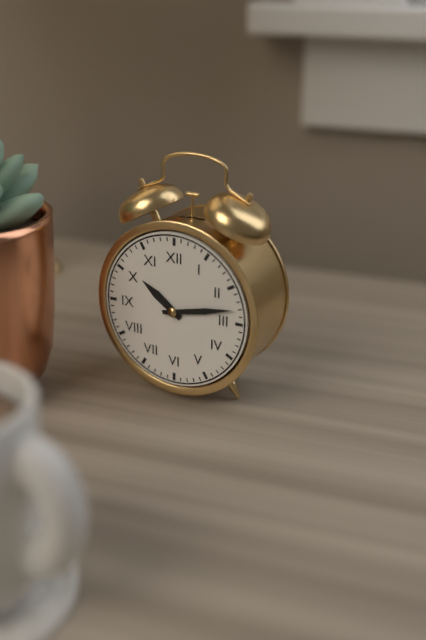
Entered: 10,13
